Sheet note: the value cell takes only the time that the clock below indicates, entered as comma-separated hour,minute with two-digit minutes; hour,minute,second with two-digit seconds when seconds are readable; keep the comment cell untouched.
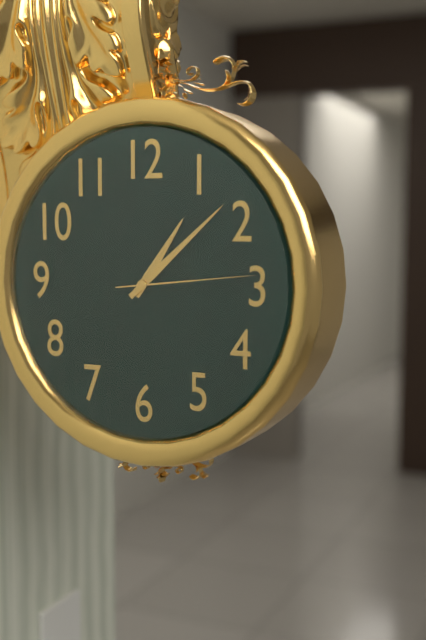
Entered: 1,08,14
